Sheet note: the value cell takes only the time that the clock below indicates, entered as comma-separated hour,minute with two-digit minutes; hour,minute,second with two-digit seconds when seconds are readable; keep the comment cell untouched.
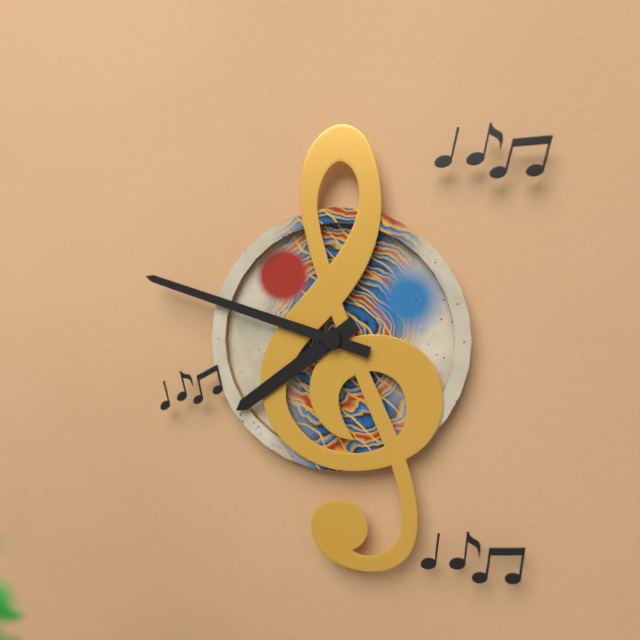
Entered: 7,48
